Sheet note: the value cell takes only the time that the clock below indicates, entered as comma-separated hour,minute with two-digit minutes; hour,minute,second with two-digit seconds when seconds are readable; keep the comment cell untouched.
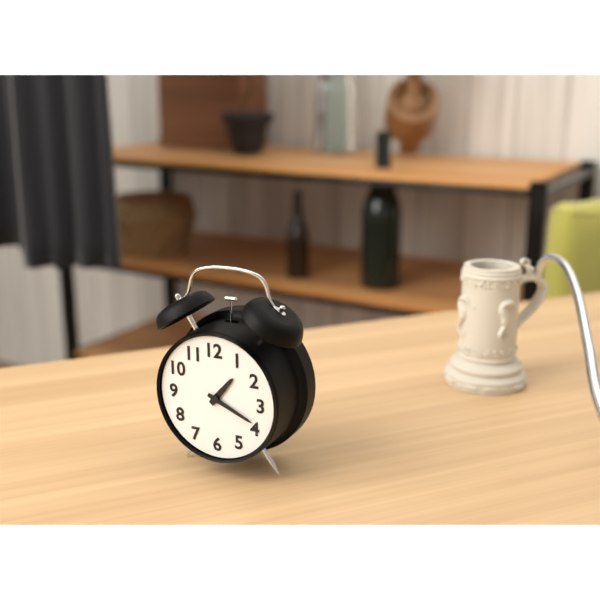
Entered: 1,19
